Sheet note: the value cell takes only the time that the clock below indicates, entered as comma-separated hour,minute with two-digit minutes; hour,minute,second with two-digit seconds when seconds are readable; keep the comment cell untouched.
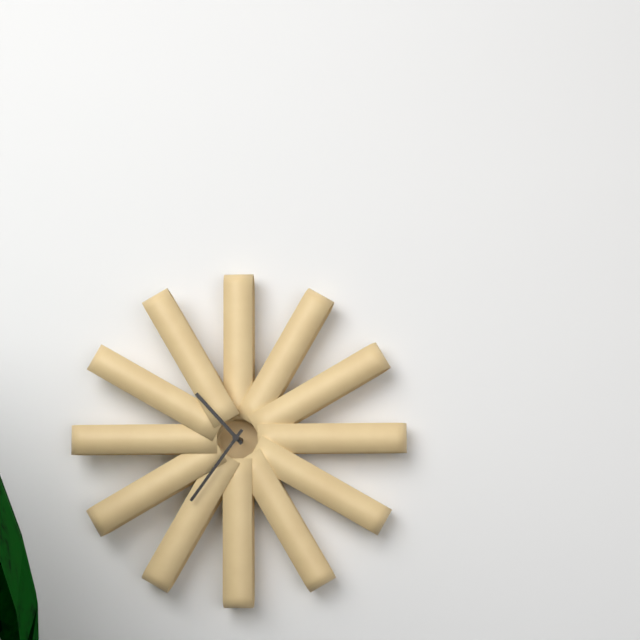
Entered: 10,36
